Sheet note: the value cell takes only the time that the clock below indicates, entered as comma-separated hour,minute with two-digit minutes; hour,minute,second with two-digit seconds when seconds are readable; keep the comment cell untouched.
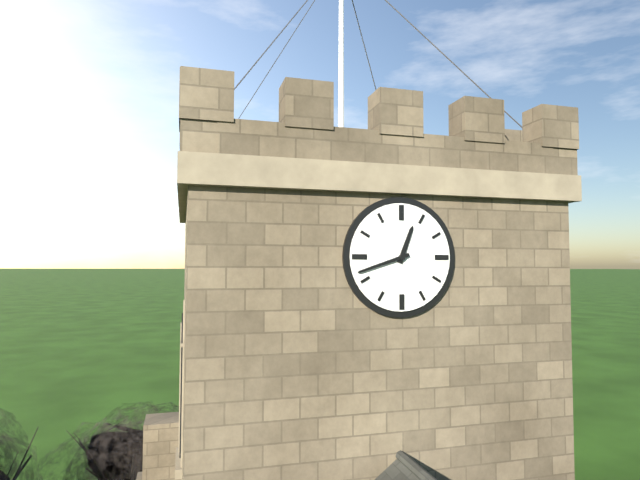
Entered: 12,42
